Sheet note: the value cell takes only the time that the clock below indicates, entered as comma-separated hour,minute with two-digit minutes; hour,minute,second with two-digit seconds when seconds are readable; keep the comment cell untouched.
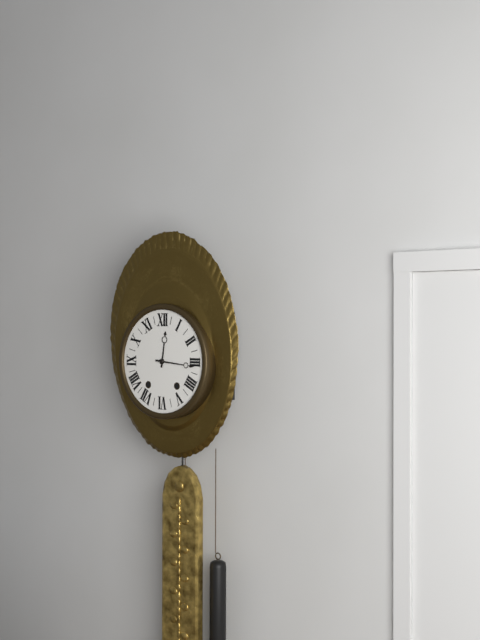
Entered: 12,16
